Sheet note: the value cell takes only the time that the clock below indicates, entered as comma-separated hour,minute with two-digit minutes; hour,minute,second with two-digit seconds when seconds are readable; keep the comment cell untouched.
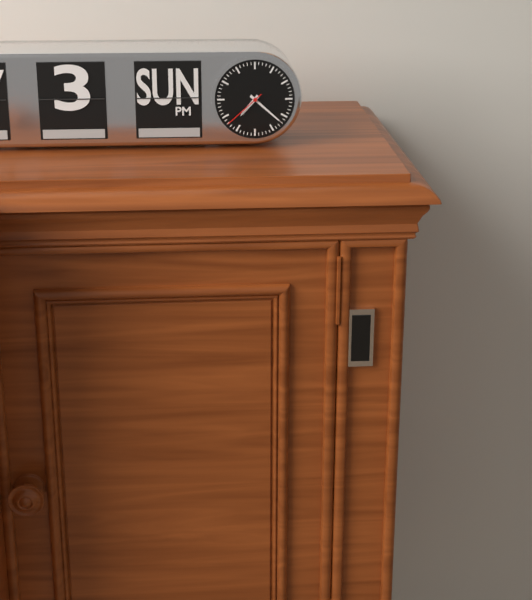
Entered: 7,22
